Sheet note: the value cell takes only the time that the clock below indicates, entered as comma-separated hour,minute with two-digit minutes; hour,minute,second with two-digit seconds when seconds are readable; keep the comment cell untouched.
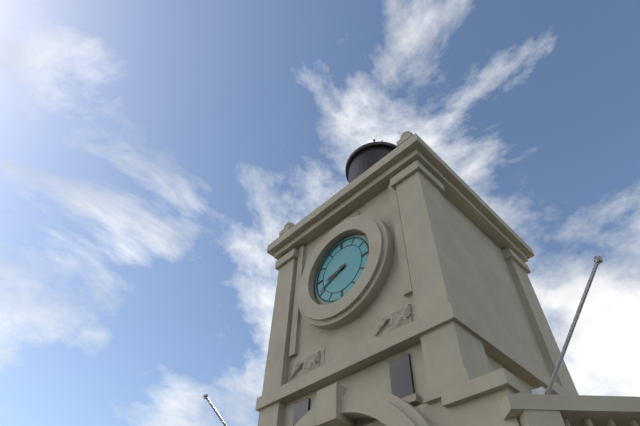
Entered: 8,41
